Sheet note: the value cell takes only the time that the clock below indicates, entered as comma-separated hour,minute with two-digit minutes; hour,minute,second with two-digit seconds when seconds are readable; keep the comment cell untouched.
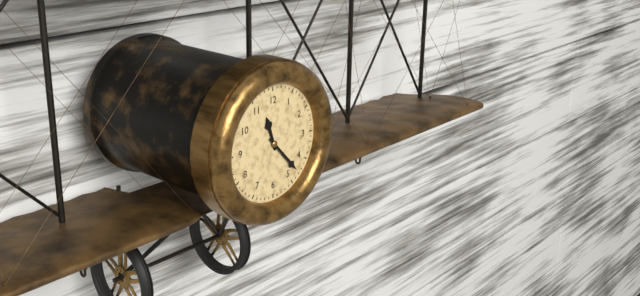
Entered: 11,23
